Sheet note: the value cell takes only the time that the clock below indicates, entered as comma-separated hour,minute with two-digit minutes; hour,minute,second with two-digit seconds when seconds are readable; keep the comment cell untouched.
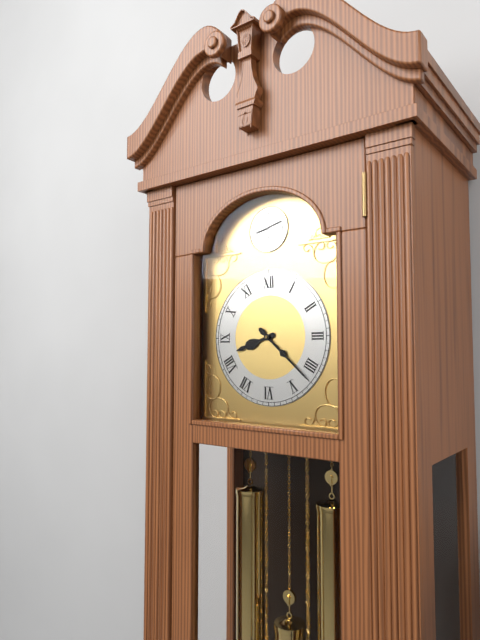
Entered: 8,22
